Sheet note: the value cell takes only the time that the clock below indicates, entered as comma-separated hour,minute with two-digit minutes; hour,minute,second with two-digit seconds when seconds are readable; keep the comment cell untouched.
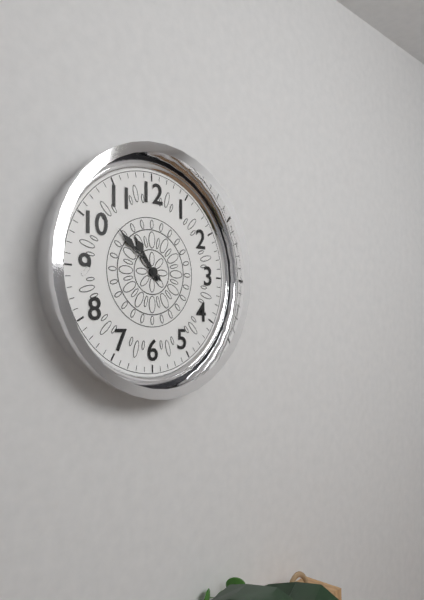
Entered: 10,52
